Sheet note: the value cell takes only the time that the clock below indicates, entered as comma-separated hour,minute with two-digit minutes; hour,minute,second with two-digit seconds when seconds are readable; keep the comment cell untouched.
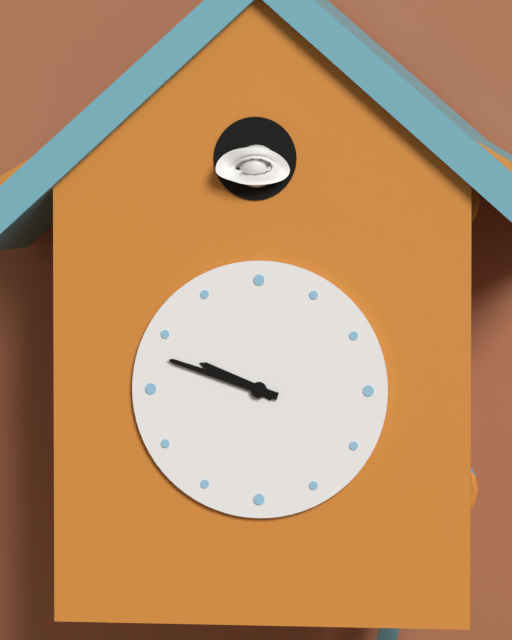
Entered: 9,48
